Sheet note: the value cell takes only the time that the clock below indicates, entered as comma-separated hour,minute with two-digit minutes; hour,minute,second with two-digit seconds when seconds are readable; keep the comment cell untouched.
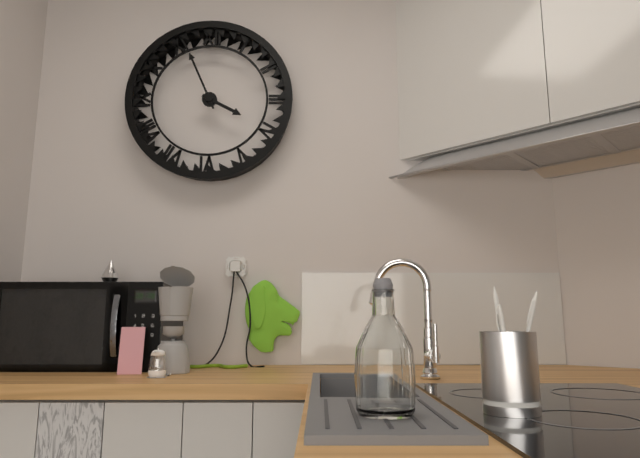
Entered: 3,56
